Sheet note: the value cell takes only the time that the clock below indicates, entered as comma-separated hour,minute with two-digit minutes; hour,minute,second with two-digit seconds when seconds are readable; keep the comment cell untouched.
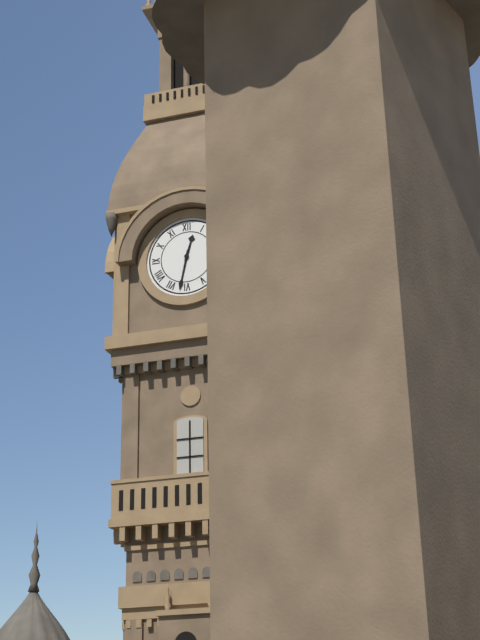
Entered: 12,32
